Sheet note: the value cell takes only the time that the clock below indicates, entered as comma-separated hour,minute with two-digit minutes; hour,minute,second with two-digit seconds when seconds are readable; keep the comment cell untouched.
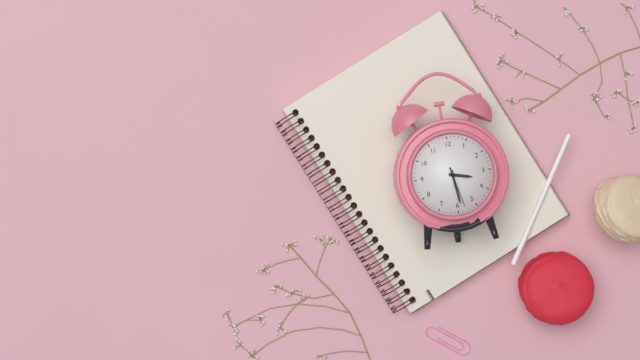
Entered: 3,29
